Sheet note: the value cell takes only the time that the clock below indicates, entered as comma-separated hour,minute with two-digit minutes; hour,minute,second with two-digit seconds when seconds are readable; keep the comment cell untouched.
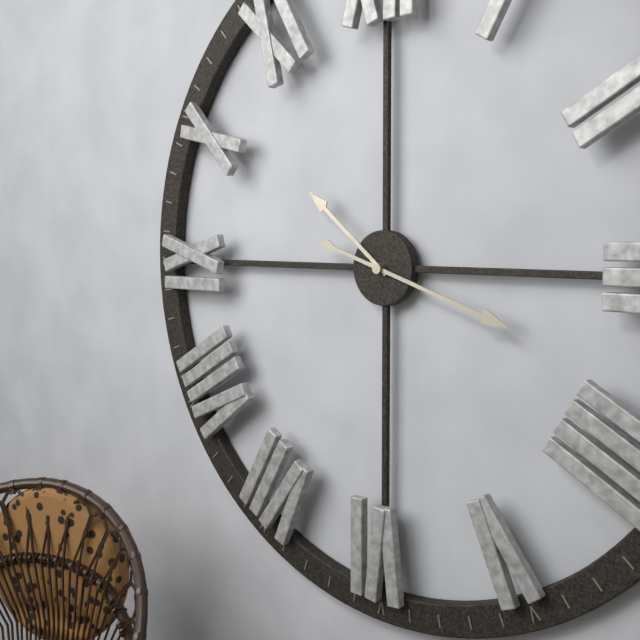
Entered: 10,18
